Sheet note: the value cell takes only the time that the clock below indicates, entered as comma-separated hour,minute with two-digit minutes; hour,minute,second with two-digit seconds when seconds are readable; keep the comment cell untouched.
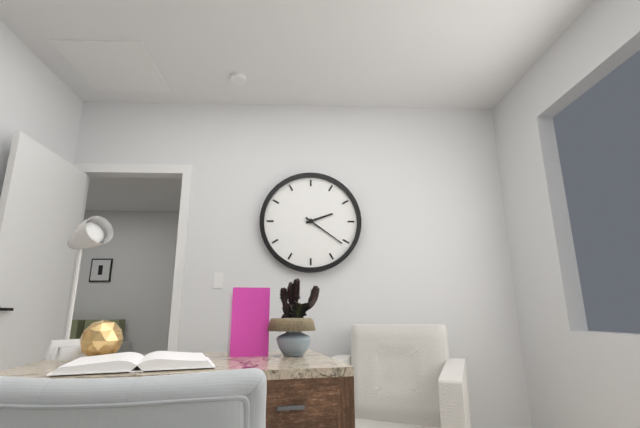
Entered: 2,21
